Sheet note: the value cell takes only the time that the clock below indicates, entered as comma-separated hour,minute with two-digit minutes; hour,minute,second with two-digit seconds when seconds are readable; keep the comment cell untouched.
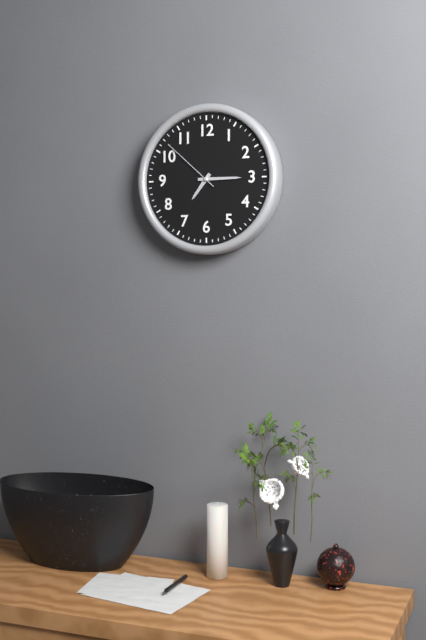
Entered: 7,15,52
